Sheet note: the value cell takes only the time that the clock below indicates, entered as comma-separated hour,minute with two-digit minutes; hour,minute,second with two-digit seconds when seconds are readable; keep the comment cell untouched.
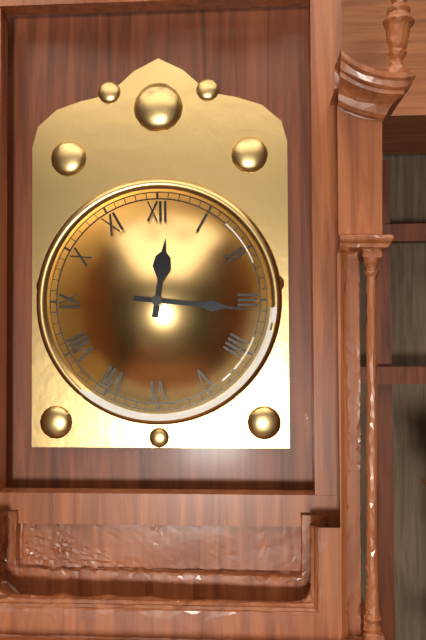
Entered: 12,16
